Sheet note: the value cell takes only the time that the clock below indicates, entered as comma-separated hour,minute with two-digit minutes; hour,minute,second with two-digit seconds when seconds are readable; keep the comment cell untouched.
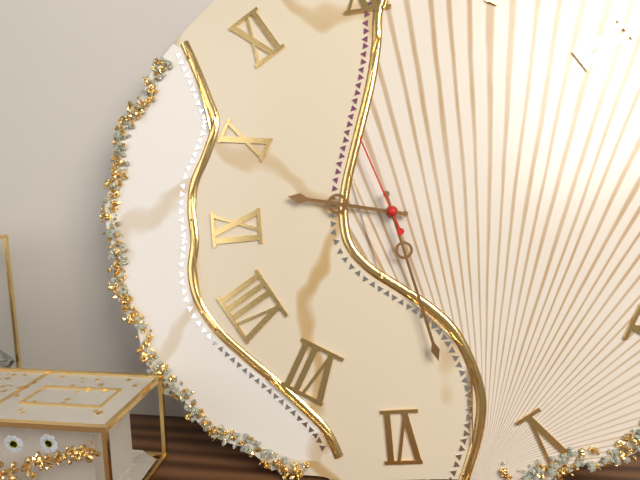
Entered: 9,28,57
